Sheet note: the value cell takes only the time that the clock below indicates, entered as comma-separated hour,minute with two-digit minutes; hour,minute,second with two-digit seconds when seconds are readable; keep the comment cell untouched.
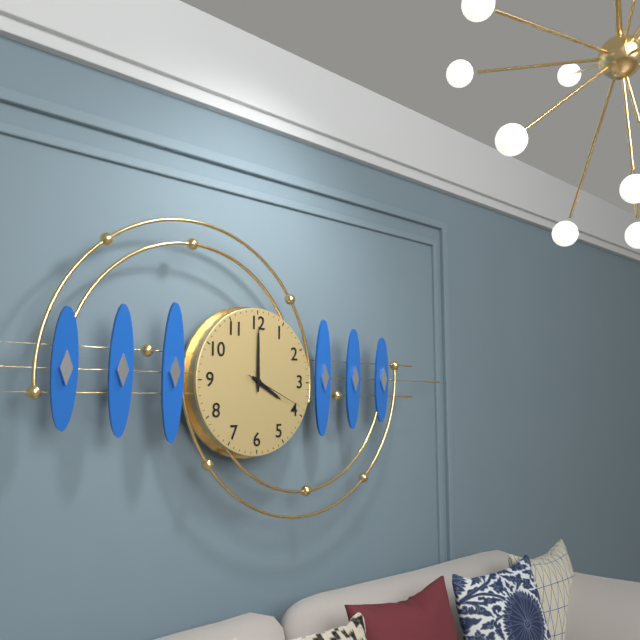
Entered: 4,00,19
